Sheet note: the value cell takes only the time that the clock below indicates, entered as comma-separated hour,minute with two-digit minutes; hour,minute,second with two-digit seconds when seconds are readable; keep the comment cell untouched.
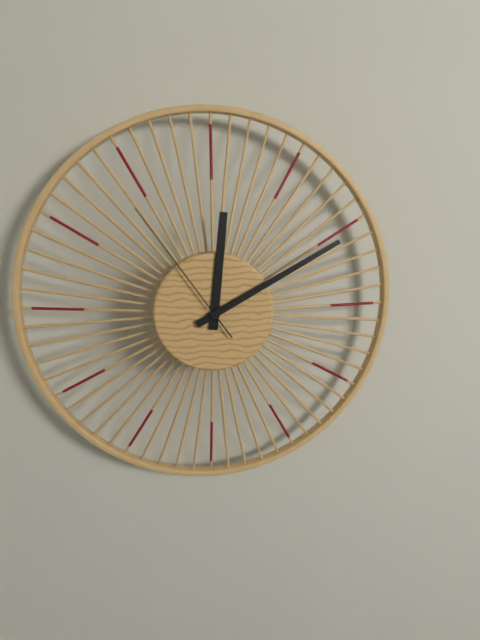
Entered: 12,10,54
